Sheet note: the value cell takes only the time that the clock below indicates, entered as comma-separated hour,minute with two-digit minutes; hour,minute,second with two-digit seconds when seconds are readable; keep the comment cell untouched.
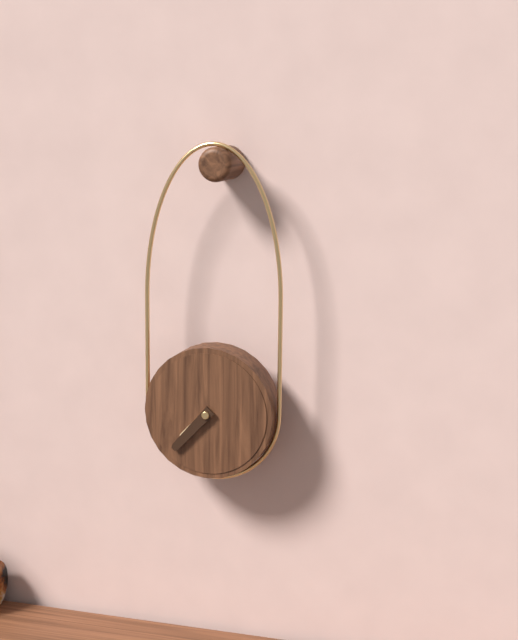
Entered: 7,37
